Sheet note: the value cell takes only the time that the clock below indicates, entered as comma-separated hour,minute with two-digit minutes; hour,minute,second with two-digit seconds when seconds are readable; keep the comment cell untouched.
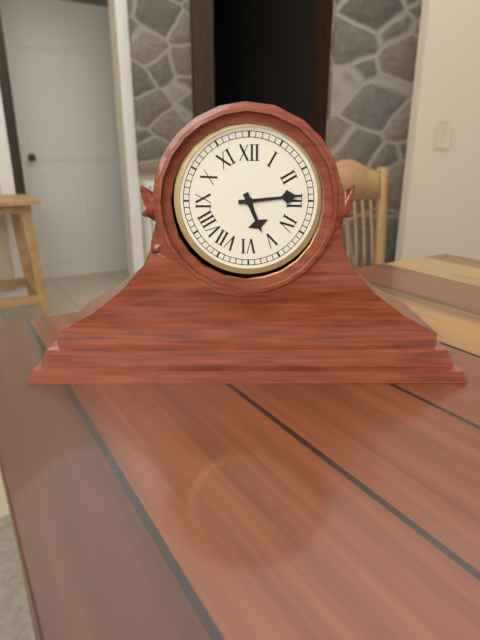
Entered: 5,14
